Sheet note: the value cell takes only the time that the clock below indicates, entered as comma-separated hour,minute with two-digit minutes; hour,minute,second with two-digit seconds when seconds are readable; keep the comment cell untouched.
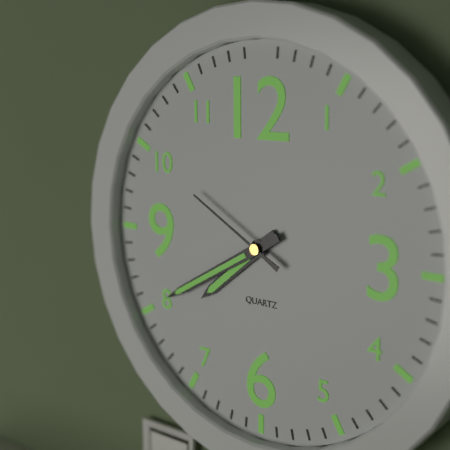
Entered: 7,40,50
